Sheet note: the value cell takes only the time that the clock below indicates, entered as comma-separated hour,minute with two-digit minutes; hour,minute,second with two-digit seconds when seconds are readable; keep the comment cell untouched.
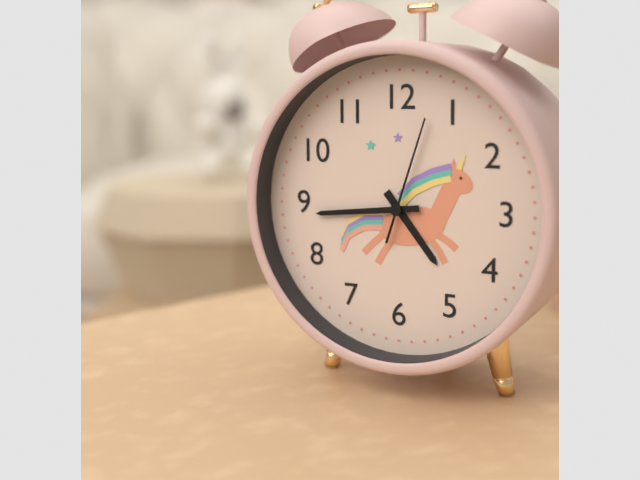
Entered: 4,44,03
